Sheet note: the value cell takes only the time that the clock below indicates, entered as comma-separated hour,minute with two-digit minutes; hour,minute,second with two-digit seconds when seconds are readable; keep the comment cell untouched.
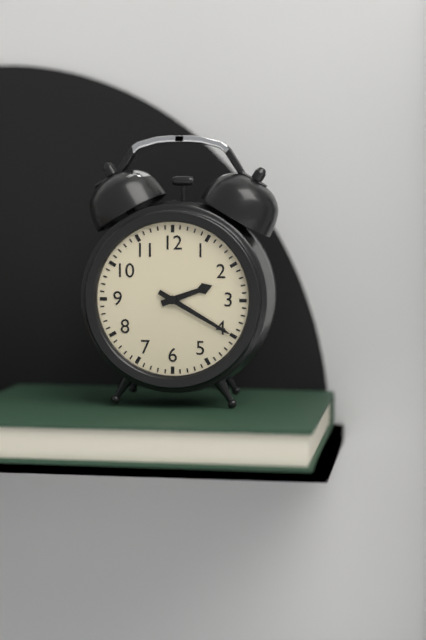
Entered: 2,20
